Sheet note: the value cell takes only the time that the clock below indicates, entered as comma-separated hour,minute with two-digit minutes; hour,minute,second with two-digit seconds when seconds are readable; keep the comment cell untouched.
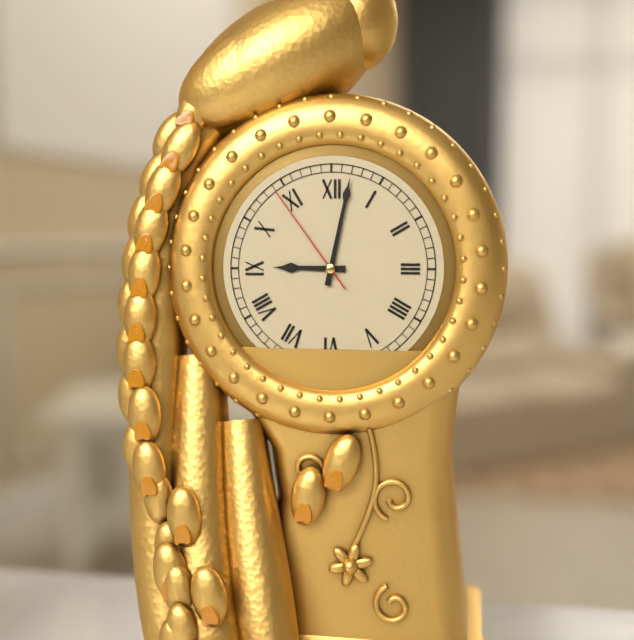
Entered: 9,02,54
